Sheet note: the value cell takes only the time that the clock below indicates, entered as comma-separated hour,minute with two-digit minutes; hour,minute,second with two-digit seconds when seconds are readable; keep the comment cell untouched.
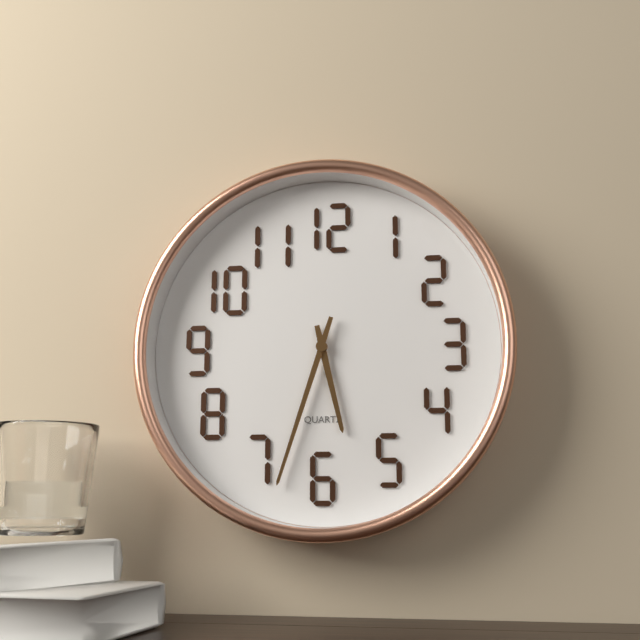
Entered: 5,33
